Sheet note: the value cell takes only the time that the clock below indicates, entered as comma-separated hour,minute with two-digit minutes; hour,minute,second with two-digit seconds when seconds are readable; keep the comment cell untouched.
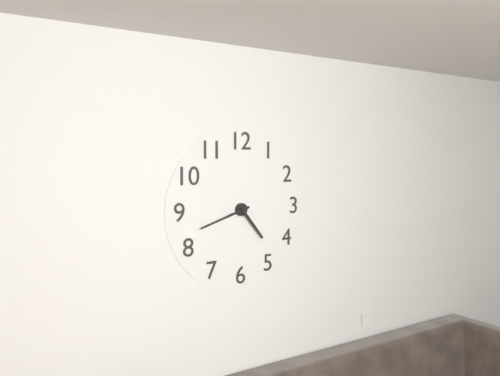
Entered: 4,42
